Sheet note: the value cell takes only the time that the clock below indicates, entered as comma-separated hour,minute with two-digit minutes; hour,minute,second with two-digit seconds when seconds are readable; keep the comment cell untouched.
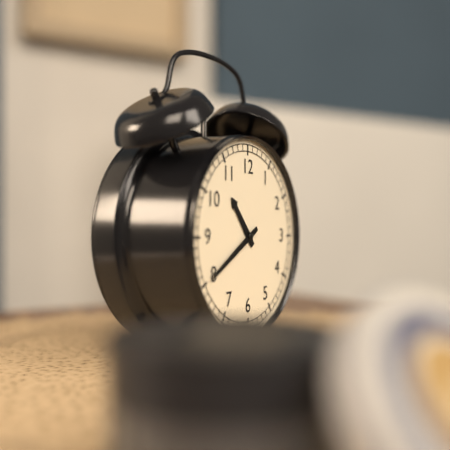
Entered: 10,40
